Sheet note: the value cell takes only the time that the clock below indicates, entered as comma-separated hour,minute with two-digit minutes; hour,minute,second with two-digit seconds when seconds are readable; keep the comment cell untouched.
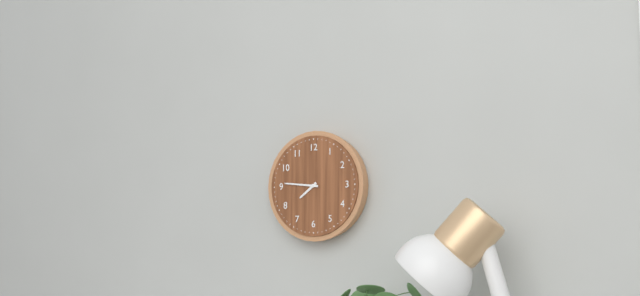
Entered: 7,46
